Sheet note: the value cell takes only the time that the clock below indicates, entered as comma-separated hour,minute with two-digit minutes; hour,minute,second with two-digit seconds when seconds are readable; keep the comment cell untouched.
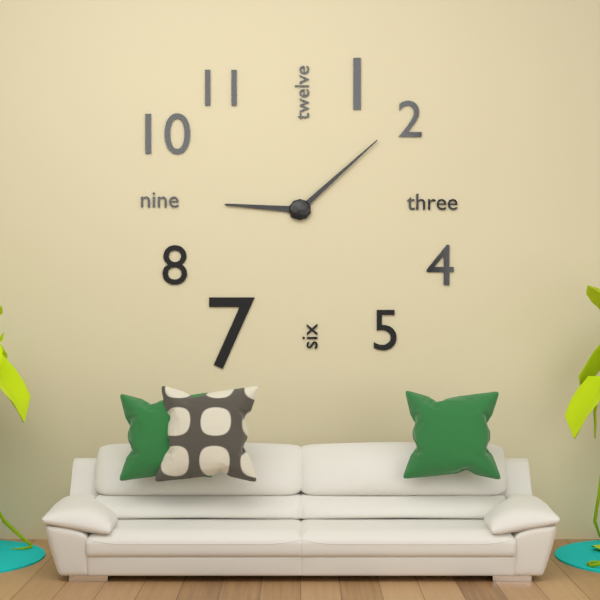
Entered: 9,08
